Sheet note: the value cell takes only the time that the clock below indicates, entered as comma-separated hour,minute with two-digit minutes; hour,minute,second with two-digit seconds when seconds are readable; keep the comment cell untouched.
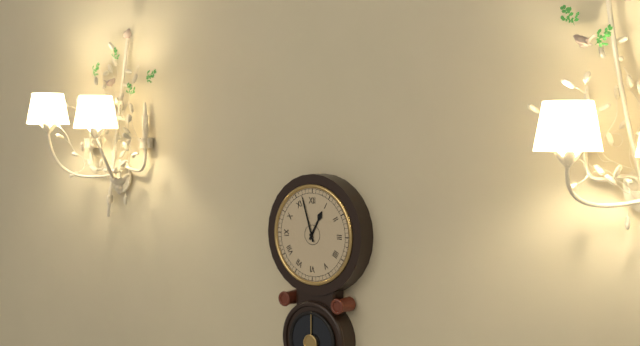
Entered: 12,57
